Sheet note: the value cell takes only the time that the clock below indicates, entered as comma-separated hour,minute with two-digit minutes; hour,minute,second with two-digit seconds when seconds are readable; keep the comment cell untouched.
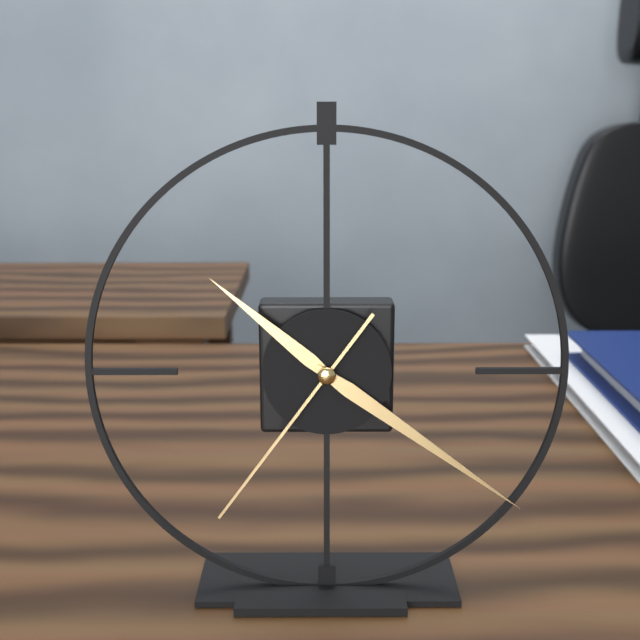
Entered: 10,21,36
